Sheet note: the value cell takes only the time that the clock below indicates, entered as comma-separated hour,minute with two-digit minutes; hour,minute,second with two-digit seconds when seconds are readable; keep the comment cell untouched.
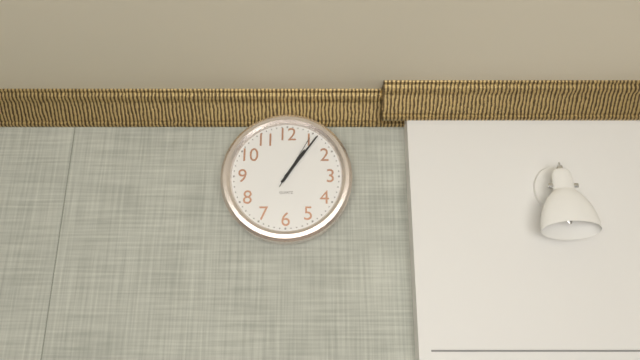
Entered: 1,06,05
